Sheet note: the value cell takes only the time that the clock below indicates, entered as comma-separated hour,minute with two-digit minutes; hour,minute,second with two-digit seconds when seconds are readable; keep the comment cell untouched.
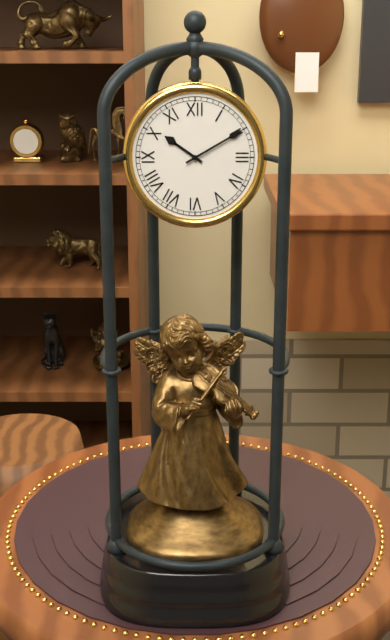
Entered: 10,10
